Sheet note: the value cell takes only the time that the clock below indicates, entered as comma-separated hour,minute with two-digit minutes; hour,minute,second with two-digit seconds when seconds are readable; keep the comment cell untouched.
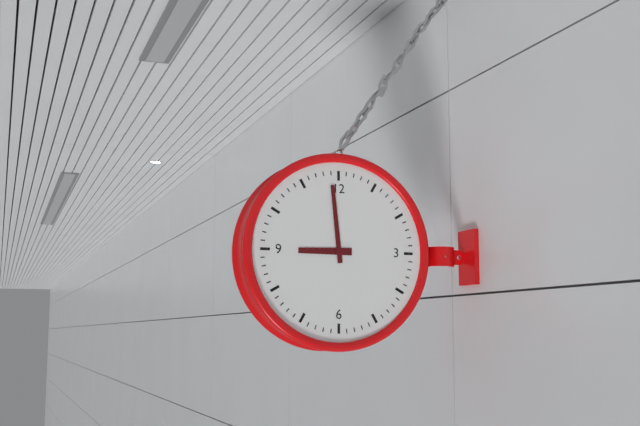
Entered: 8,59
